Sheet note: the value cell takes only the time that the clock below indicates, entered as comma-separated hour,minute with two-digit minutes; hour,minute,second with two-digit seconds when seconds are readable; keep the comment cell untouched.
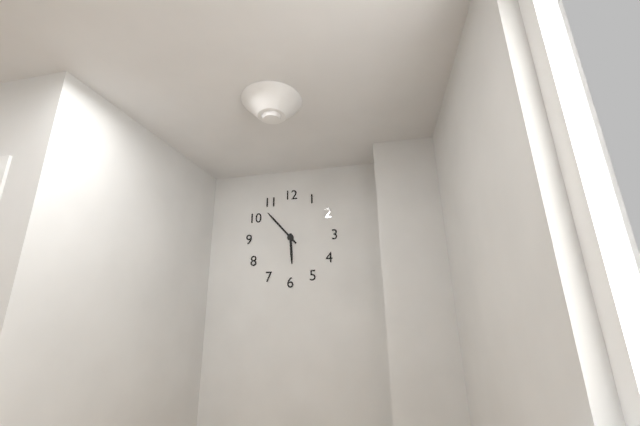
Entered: 5,53
